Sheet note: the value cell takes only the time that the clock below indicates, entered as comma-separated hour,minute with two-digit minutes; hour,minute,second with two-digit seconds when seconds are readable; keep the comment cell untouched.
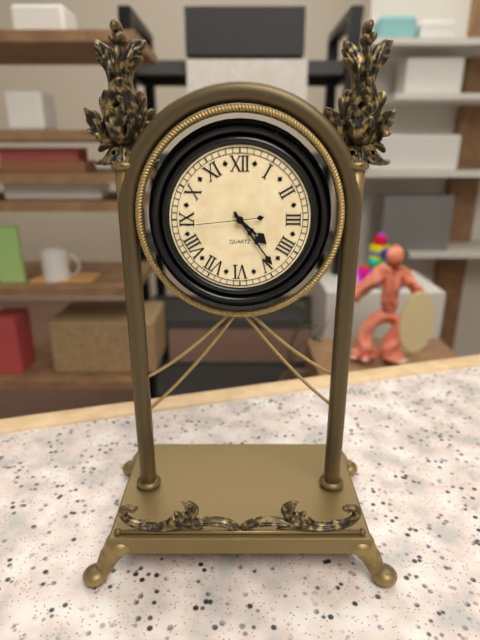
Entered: 4,24,44
